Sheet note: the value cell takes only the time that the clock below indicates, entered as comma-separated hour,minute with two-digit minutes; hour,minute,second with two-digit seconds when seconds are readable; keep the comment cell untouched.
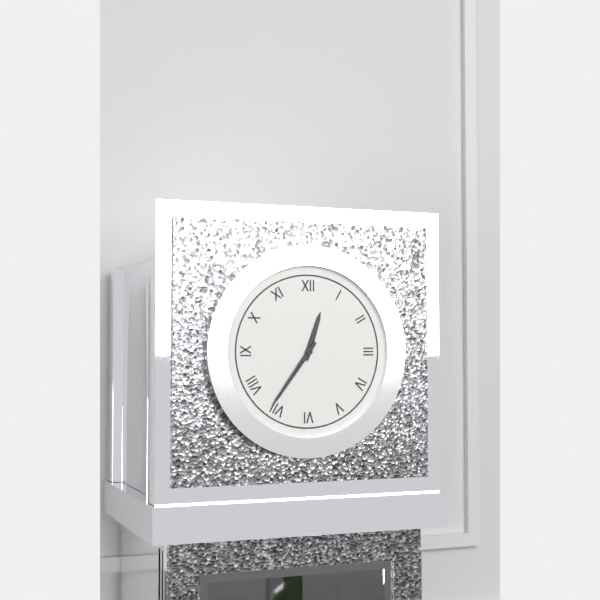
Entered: 12,36
